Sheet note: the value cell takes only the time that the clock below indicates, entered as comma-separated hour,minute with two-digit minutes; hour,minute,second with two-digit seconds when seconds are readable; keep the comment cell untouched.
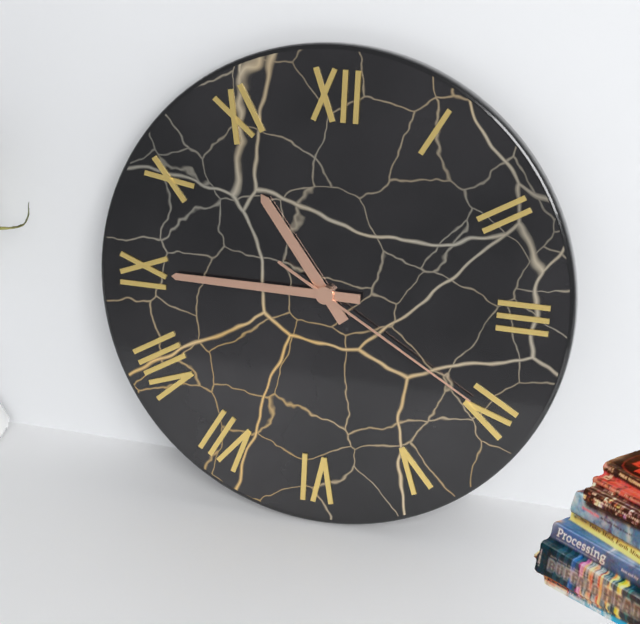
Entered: 10,45,20
